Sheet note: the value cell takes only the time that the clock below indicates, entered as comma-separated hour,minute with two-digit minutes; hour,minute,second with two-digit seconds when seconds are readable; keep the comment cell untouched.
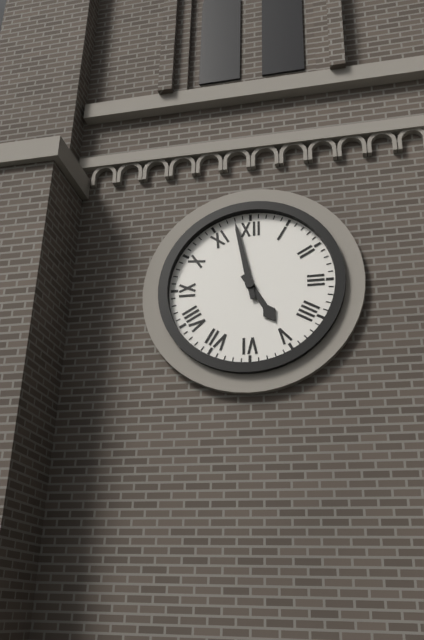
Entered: 4,58
